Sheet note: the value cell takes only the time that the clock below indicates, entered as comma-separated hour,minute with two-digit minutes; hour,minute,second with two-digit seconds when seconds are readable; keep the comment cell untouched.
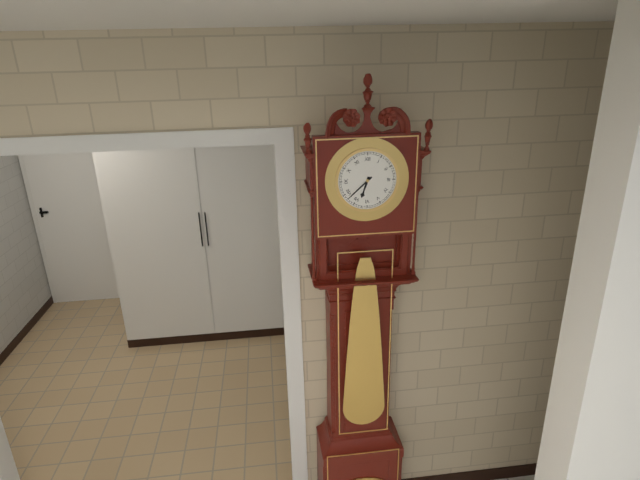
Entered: 6,38
